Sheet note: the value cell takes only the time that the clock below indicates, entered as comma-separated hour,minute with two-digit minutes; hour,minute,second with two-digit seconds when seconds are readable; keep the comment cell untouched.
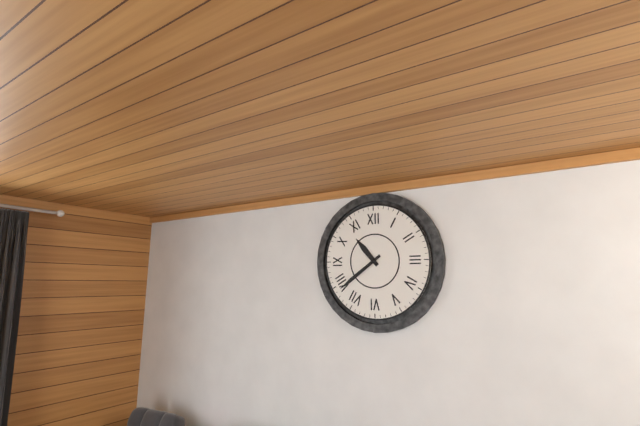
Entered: 10,39
